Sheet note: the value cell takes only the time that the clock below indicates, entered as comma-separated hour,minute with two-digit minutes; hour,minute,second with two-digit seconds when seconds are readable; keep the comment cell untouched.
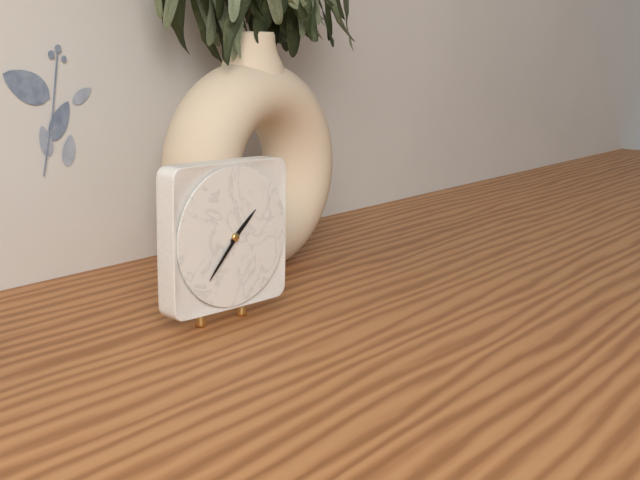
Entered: 1,37
